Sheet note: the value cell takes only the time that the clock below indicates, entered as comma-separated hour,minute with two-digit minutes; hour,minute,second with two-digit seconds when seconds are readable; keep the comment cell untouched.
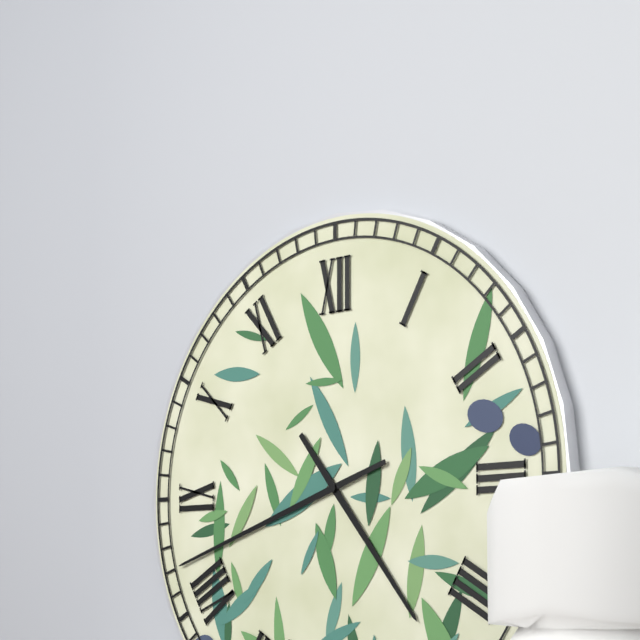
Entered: 4,42
